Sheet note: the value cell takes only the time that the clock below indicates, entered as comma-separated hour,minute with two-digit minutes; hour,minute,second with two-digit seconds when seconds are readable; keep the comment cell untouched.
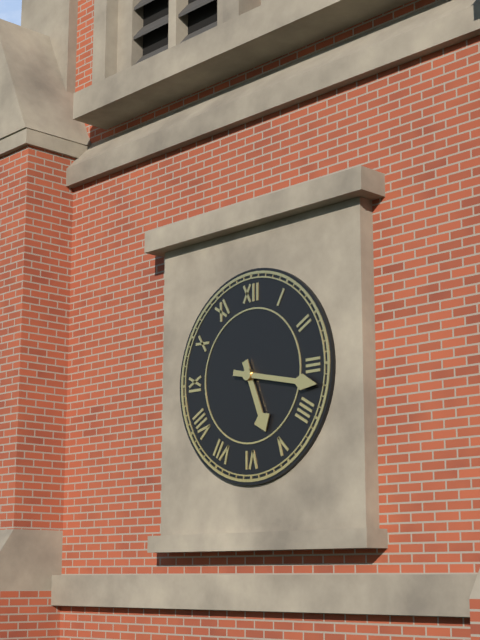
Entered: 5,17
